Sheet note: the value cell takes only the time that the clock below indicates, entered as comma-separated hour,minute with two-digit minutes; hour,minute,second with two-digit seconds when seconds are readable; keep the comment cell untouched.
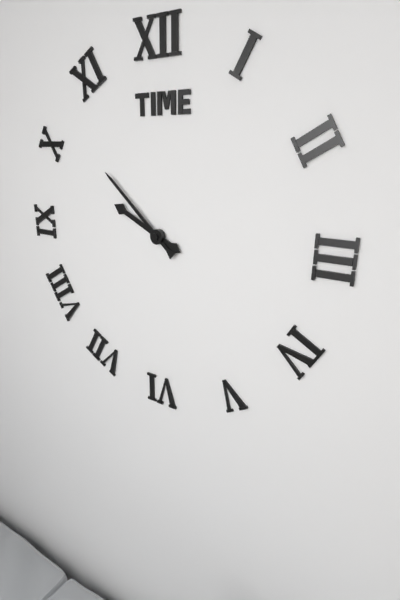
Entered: 9,52
